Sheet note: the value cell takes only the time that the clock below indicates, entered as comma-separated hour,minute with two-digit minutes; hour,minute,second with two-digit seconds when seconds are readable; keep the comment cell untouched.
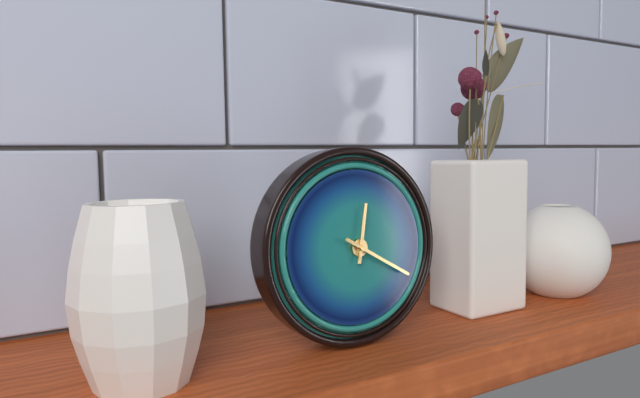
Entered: 12,20
